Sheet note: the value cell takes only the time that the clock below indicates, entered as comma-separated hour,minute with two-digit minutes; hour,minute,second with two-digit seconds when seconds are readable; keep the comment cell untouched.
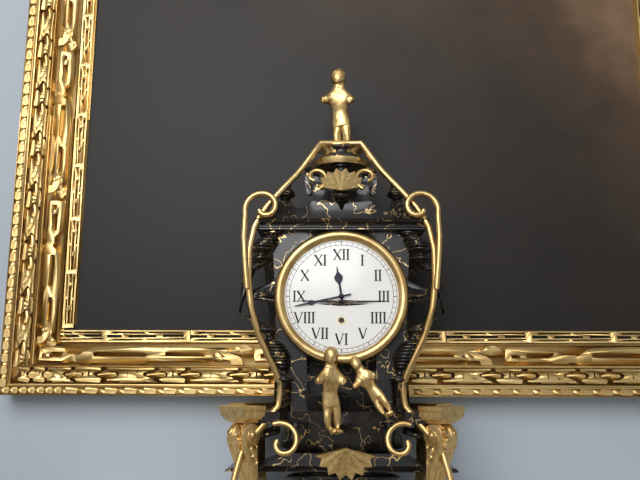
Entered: 11,43
